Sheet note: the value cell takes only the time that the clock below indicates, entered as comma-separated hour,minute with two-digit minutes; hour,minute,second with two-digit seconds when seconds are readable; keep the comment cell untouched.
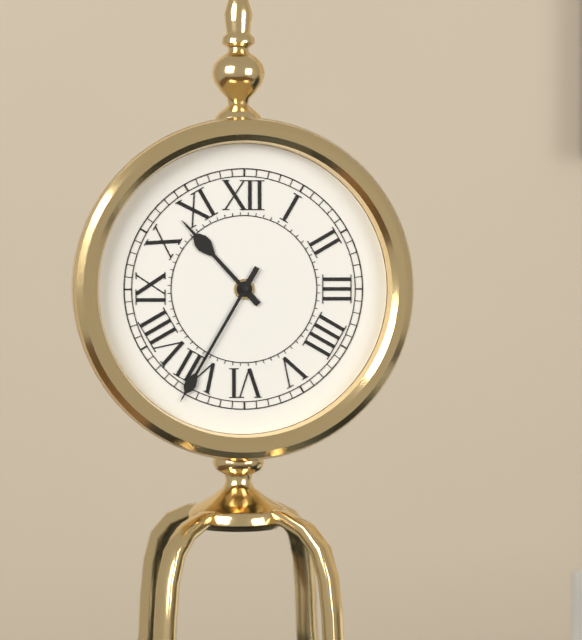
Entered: 10,35
